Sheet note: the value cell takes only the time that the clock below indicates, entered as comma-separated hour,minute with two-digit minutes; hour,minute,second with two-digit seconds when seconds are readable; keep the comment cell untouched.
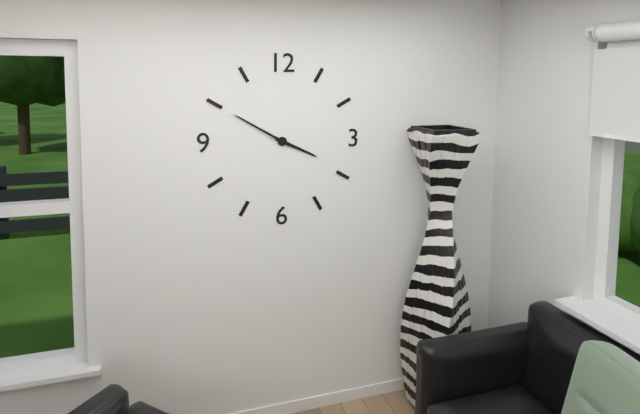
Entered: 3,50
